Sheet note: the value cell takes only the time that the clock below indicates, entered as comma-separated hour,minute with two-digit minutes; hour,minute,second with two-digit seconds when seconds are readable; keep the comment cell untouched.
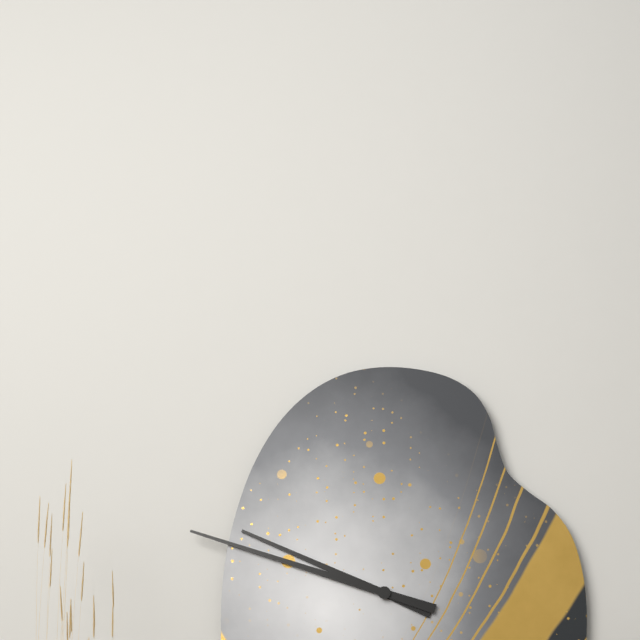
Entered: 9,48
